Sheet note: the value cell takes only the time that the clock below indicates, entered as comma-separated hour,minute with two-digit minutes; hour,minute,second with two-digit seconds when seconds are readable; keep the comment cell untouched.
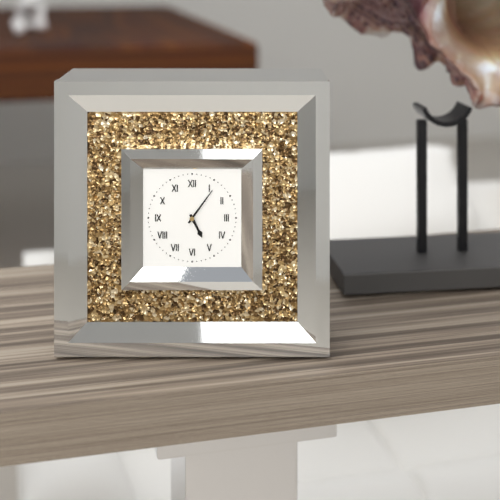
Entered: 5,06
